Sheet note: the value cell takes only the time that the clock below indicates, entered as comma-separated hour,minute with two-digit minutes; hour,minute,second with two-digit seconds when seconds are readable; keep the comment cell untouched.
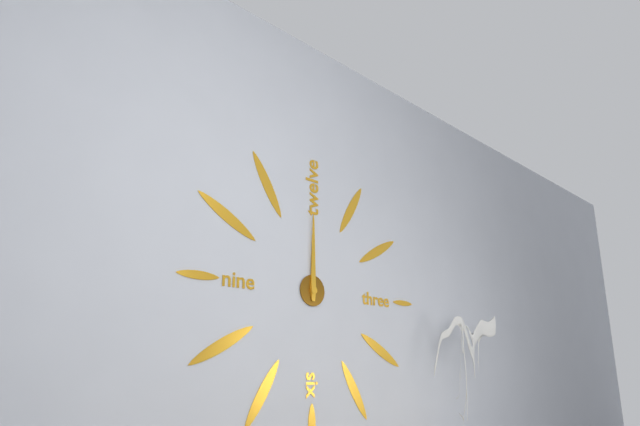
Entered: 12,00
